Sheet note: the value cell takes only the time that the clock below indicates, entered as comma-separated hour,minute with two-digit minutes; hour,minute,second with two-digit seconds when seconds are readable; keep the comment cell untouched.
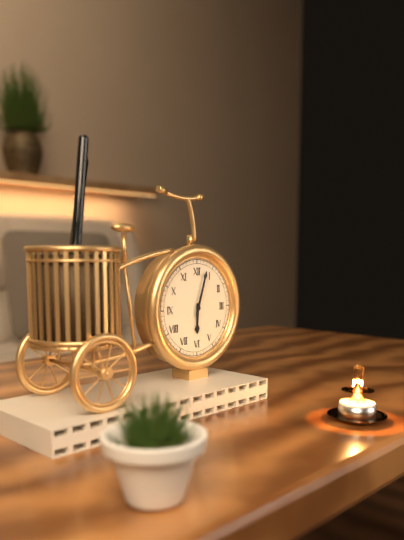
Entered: 6,03
